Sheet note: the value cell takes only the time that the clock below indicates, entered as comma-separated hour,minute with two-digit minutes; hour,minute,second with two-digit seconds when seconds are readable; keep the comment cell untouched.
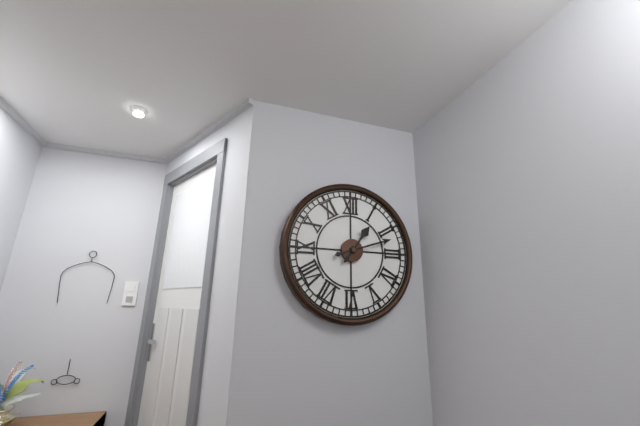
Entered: 1,12
